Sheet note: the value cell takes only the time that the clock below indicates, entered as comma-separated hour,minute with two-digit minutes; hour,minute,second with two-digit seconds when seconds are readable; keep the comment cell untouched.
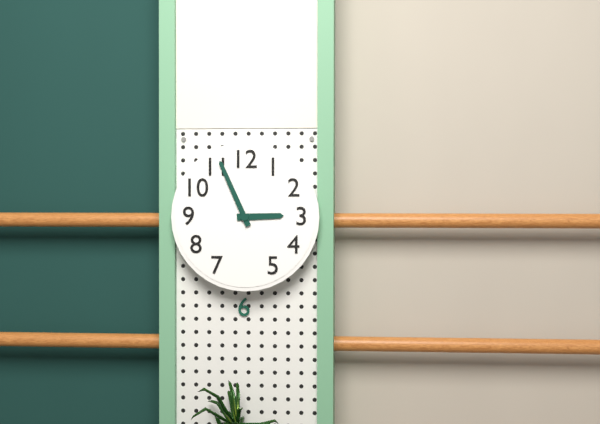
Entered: 2,56
